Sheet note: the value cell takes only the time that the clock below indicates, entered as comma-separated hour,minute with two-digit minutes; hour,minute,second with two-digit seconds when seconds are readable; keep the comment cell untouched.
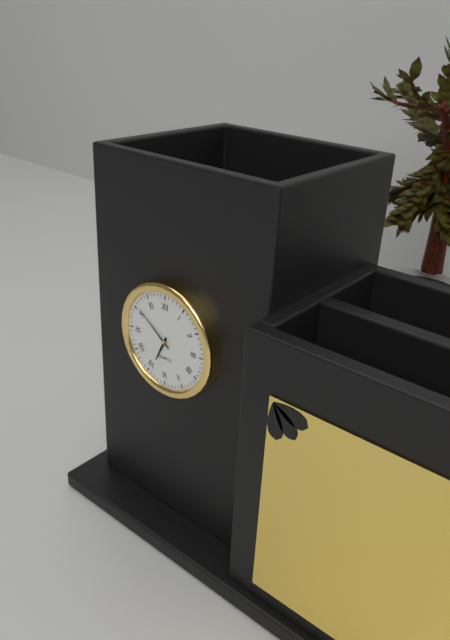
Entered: 6,51
